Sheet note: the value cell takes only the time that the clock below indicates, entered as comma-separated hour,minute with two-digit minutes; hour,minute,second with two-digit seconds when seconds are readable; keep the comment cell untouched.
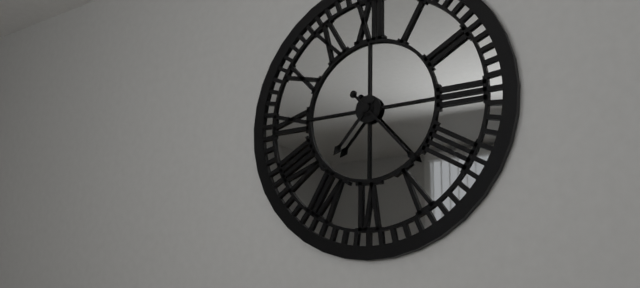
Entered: 7,23
